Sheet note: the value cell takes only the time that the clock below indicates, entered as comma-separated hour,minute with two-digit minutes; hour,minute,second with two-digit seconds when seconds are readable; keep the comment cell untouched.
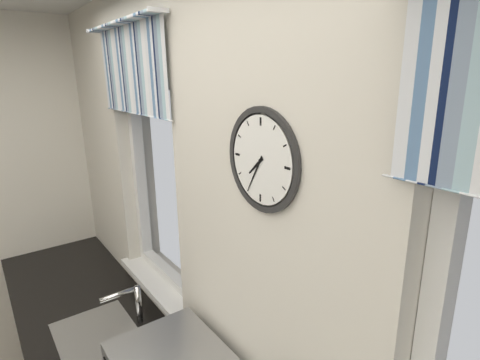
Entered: 7,35
